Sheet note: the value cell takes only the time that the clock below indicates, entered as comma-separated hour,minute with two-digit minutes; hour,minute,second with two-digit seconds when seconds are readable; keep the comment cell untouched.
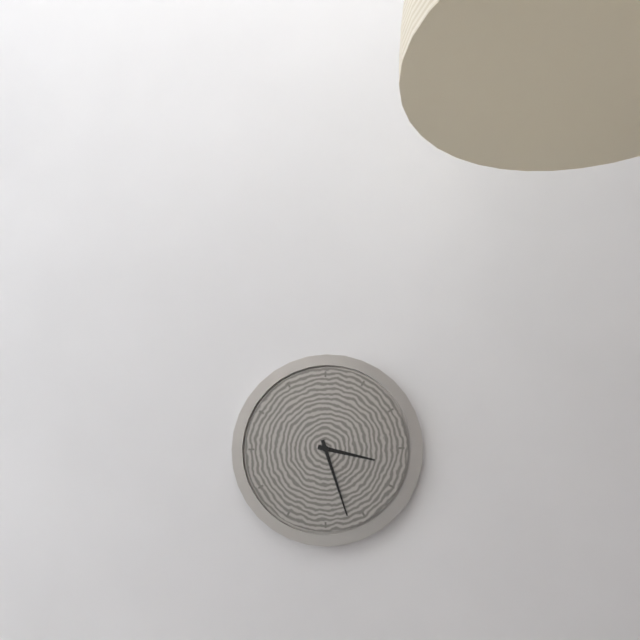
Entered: 3,27
